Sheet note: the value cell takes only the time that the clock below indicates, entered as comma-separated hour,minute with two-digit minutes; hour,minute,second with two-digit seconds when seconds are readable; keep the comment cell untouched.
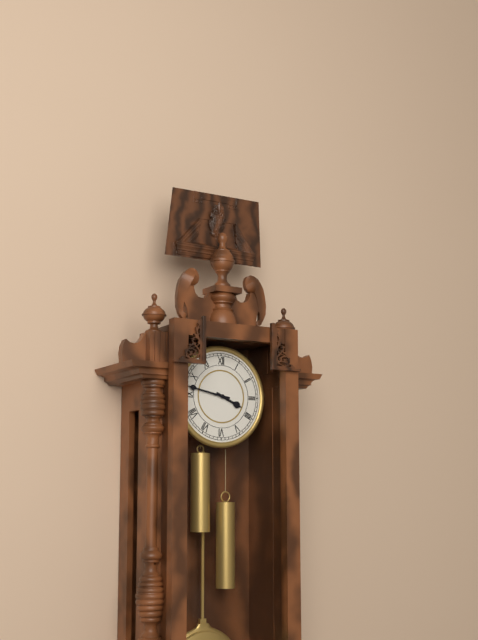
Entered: 3,47
